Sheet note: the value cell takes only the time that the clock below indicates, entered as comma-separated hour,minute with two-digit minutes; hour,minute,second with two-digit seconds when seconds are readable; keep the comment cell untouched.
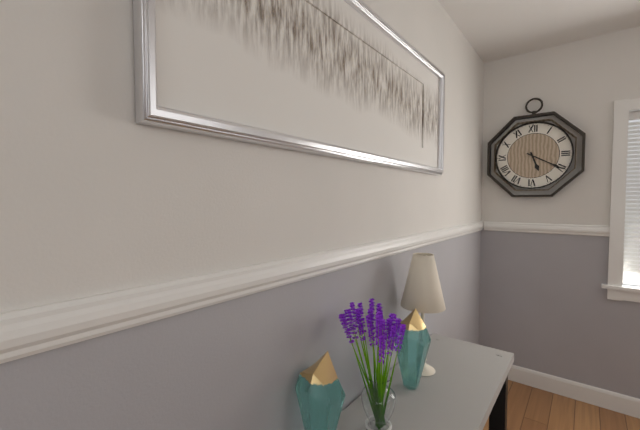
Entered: 5,20
